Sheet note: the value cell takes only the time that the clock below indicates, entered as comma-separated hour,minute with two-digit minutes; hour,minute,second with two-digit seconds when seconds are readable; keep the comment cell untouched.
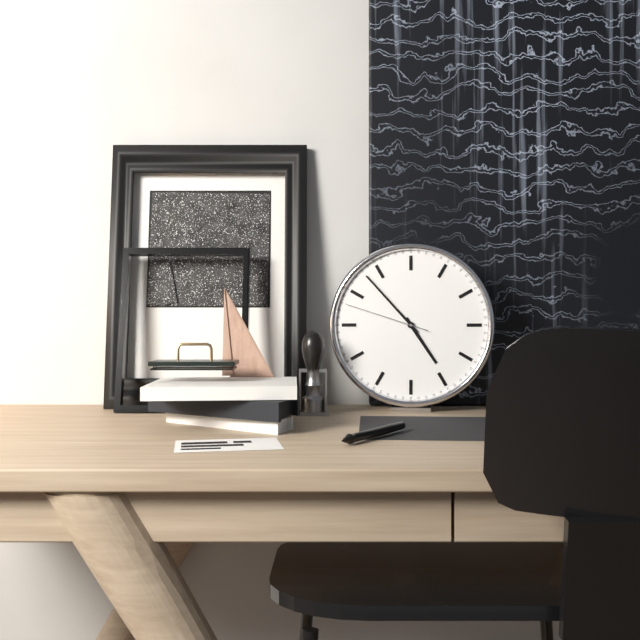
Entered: 4,53,48
